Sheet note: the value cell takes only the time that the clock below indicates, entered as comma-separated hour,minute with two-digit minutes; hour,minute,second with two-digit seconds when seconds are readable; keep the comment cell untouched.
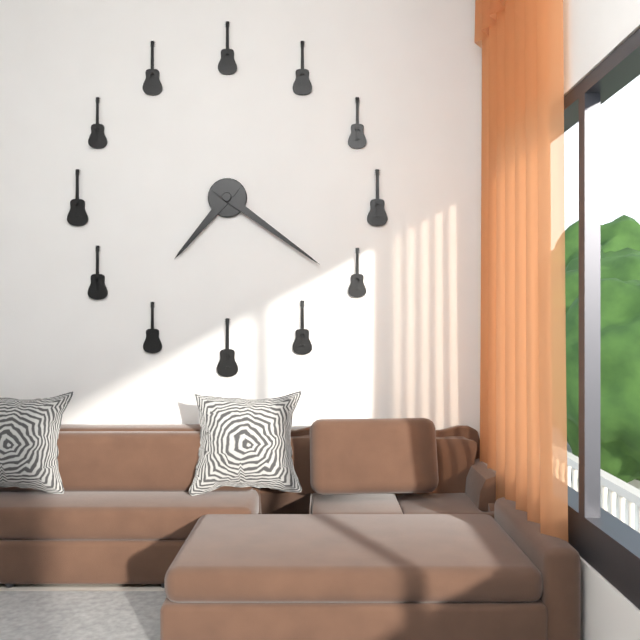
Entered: 7,21
